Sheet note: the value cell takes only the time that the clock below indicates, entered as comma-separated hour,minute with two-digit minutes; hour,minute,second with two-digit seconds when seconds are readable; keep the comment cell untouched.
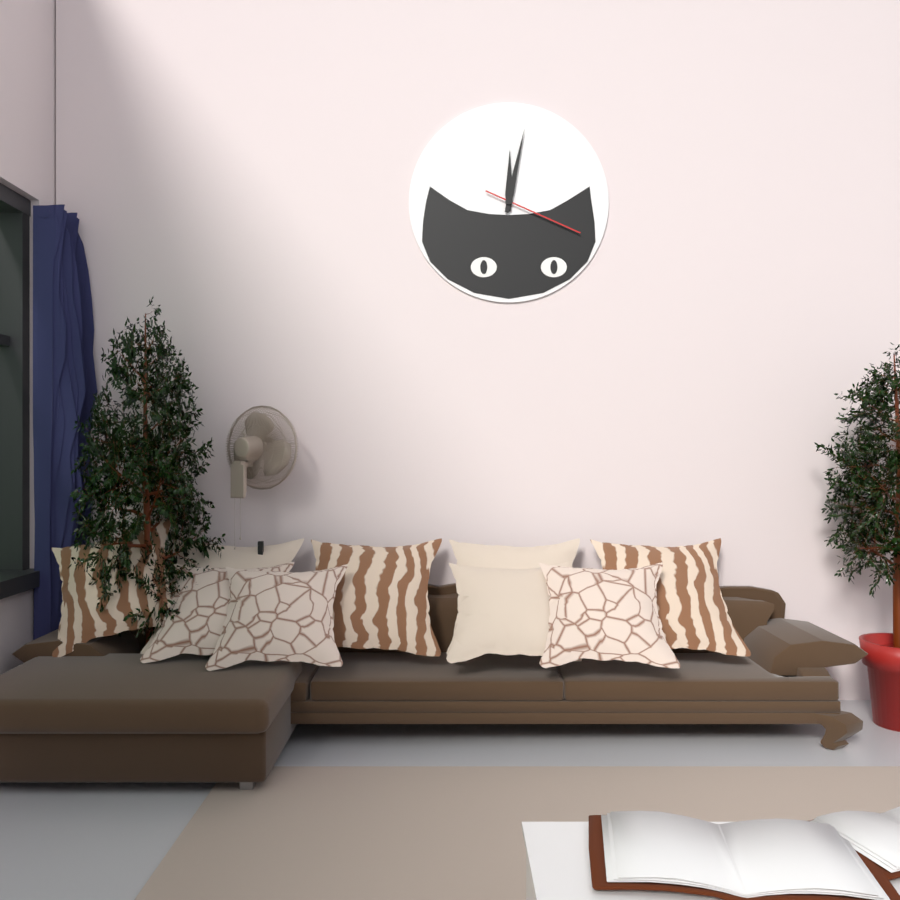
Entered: 12,02,19
